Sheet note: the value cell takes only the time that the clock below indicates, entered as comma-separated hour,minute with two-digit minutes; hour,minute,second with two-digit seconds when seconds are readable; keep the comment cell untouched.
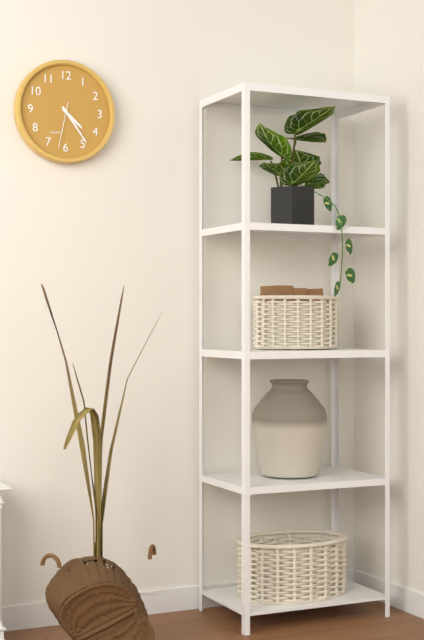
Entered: 4,24
